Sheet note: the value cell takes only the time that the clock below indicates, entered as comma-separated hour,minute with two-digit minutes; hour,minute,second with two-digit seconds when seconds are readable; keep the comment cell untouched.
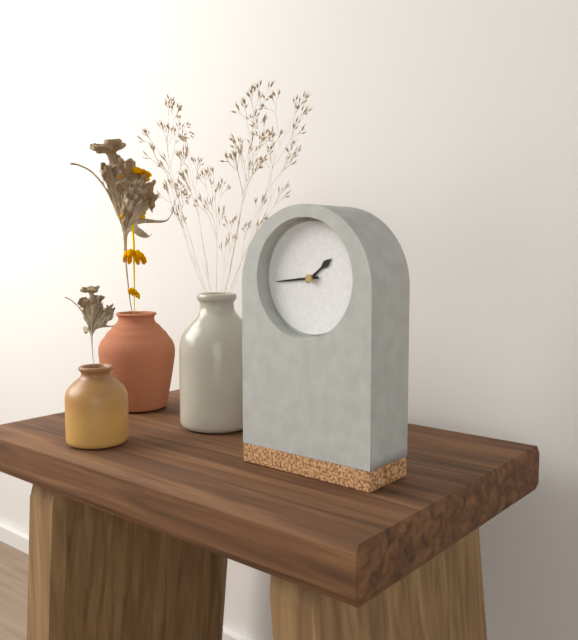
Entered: 1,44
